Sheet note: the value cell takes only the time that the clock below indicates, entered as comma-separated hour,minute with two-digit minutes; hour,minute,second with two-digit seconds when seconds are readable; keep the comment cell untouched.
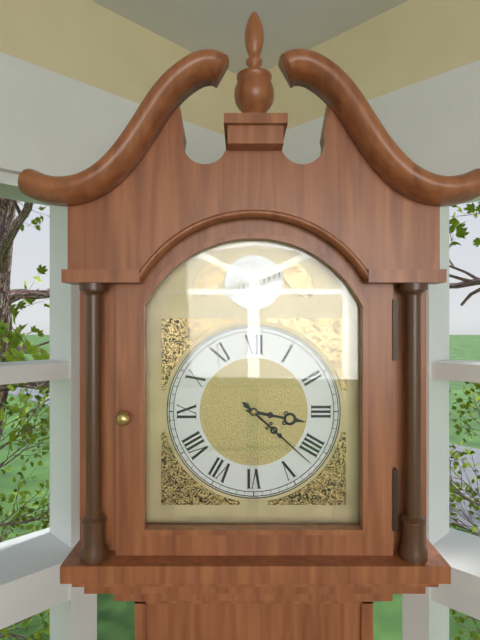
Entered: 3,22
